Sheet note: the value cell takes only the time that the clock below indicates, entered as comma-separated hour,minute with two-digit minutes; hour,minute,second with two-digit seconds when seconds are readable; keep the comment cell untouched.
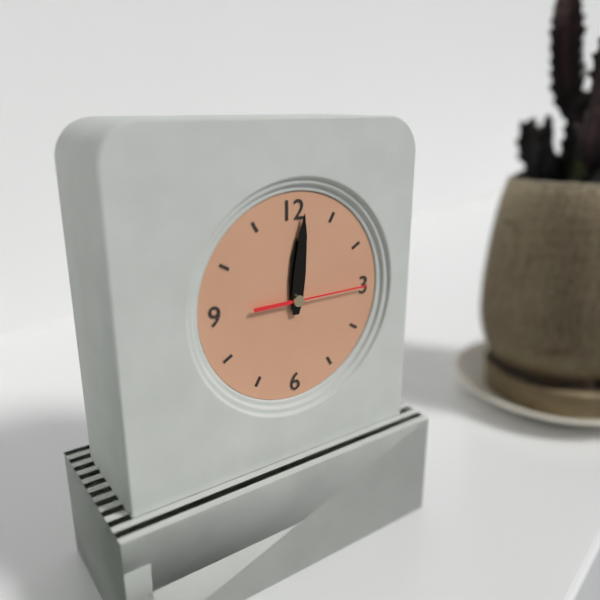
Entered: 12,01,15
